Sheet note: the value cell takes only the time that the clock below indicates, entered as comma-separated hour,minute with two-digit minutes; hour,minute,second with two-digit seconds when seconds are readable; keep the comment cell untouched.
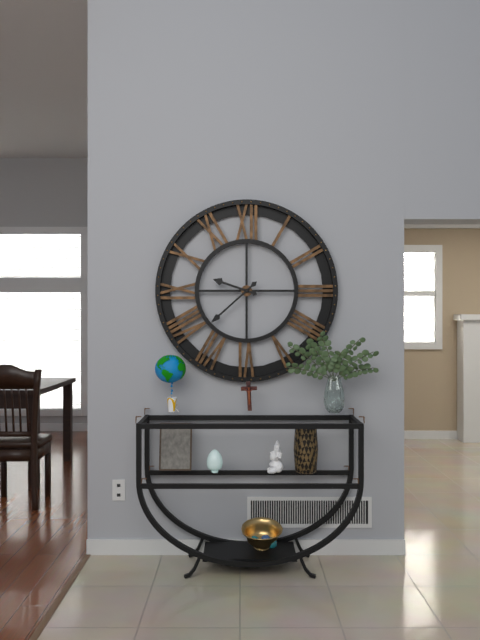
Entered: 9,38
